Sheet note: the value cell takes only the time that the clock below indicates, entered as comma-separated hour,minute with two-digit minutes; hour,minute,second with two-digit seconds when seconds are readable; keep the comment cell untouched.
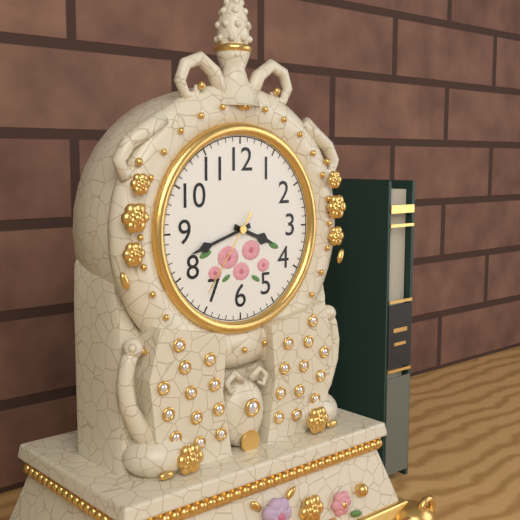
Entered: 3,42,36
